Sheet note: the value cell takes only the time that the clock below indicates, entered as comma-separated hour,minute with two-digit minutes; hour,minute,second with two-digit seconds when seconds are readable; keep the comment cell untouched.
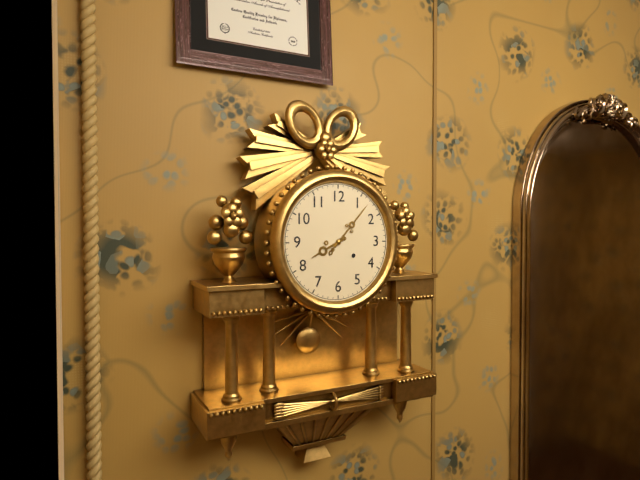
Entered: 8,07
